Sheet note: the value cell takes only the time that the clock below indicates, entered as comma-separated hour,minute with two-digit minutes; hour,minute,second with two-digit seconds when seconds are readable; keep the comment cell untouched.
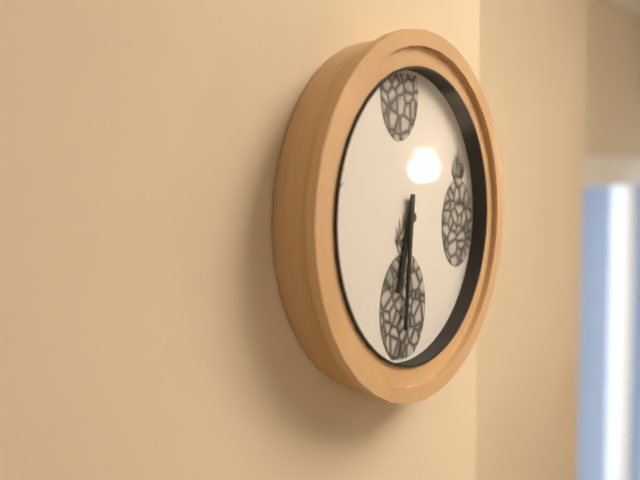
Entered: 6,31
